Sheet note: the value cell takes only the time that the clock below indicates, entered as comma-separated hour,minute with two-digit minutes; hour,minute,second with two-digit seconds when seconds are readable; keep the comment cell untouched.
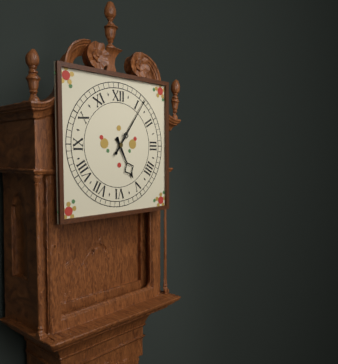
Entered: 5,06
